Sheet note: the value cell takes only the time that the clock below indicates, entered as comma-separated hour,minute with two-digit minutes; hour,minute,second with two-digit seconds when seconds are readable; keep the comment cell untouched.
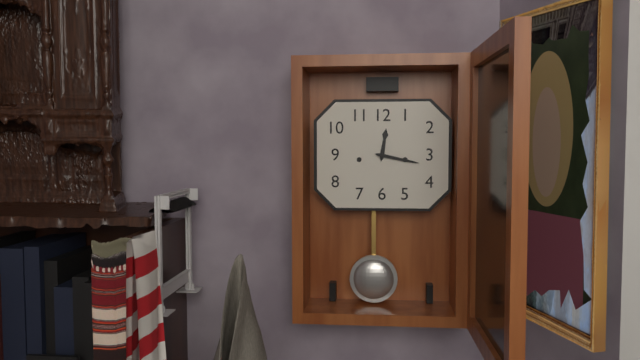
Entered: 12,17
